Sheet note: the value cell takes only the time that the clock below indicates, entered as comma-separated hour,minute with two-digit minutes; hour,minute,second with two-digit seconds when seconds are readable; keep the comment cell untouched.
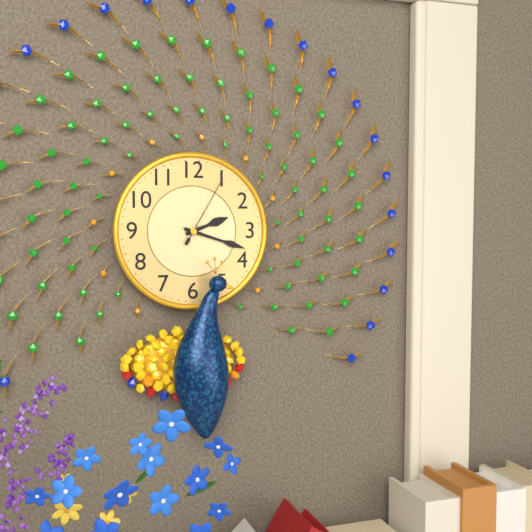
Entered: 2,18,05
